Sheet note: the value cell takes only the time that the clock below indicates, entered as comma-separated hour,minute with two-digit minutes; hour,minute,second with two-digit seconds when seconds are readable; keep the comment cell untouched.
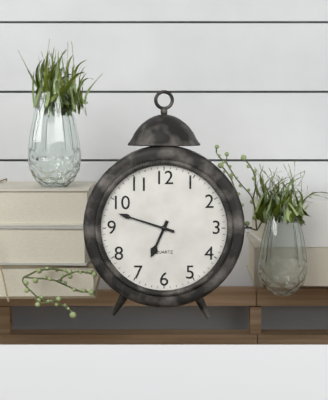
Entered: 6,48
